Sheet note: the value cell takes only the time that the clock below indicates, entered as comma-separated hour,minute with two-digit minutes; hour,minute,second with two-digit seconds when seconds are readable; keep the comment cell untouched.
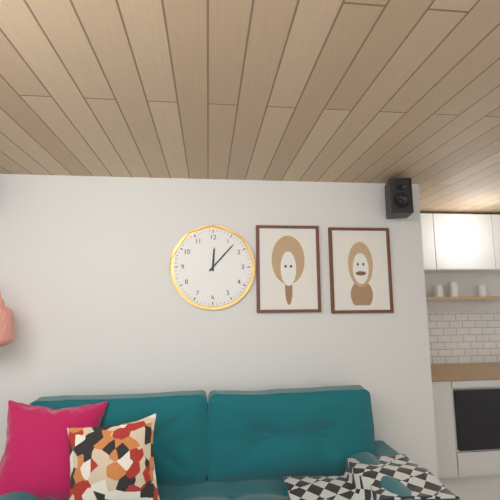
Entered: 12,07
